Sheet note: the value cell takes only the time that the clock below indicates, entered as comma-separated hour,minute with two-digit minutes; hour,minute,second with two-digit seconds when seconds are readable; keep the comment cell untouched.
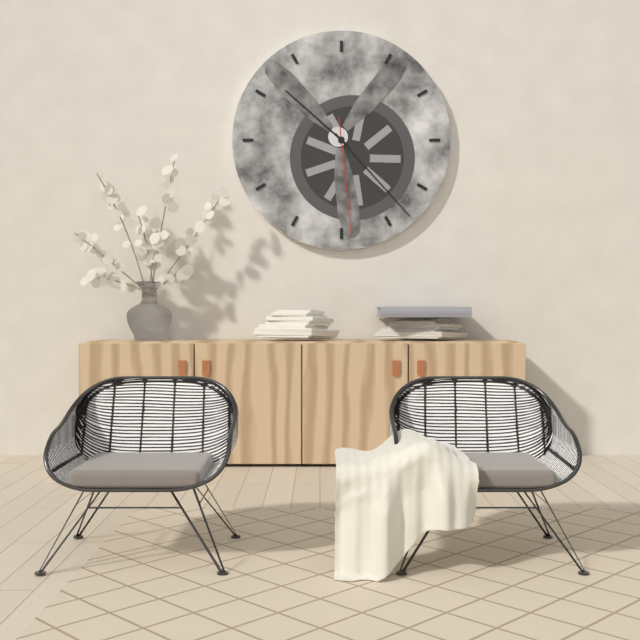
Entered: 10,23,29
